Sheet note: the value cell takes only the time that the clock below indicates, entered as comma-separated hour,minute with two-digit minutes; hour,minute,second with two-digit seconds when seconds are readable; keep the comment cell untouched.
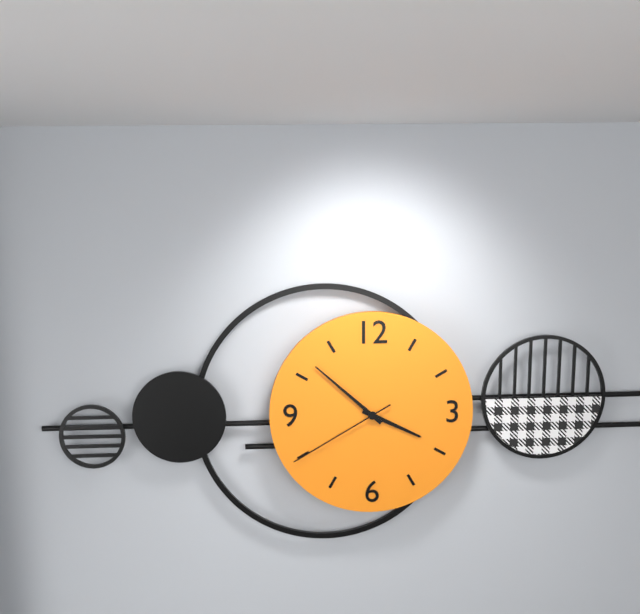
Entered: 3,52,40
